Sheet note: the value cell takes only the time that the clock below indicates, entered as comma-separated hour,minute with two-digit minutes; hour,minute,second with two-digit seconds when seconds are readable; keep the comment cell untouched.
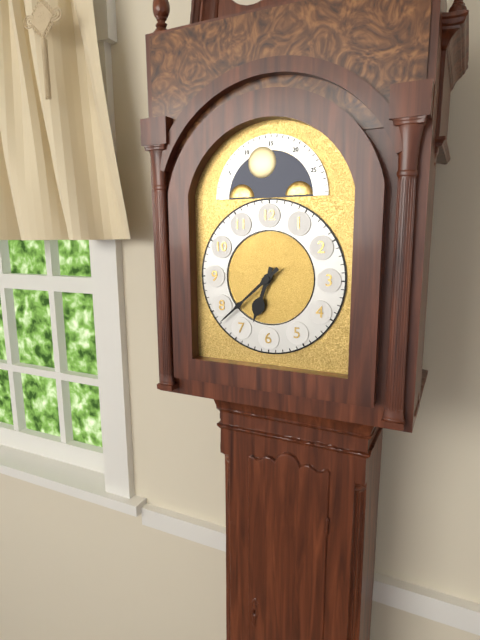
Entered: 6,38
